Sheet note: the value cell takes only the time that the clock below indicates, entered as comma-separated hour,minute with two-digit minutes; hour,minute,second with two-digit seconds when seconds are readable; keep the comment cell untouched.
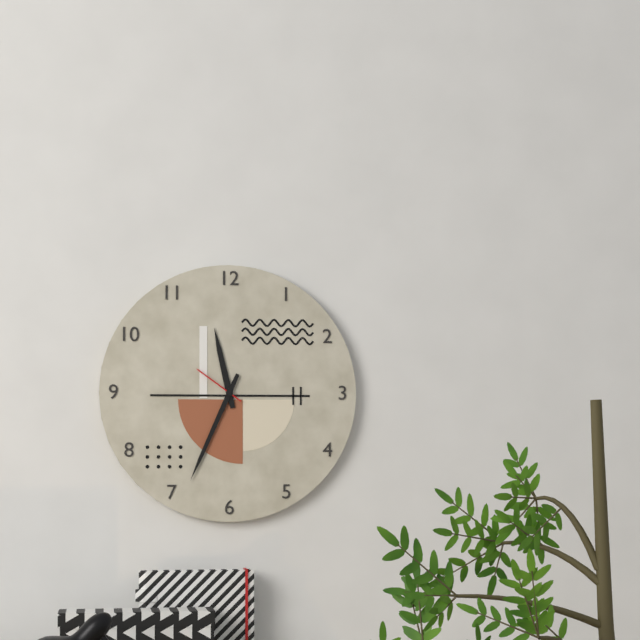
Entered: 11,34,51
